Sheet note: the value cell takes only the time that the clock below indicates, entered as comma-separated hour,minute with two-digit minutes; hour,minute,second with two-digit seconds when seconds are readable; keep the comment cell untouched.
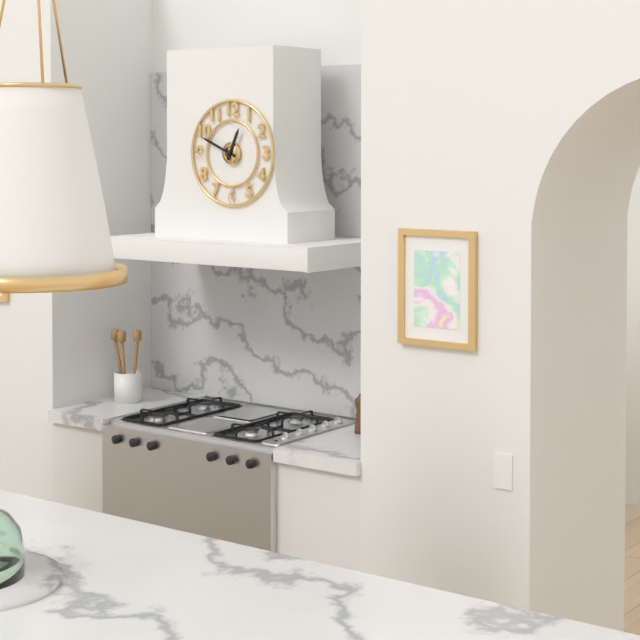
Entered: 12,49
